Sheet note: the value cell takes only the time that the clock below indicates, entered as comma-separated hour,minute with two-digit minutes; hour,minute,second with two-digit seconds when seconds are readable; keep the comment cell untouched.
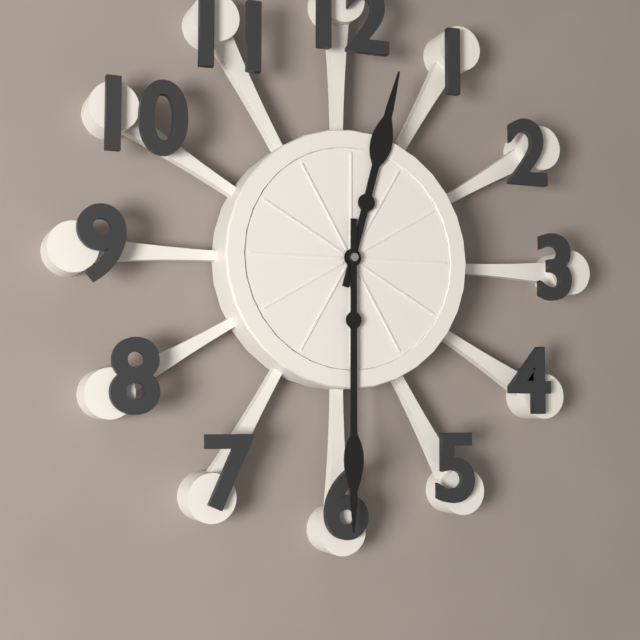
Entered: 12,30
